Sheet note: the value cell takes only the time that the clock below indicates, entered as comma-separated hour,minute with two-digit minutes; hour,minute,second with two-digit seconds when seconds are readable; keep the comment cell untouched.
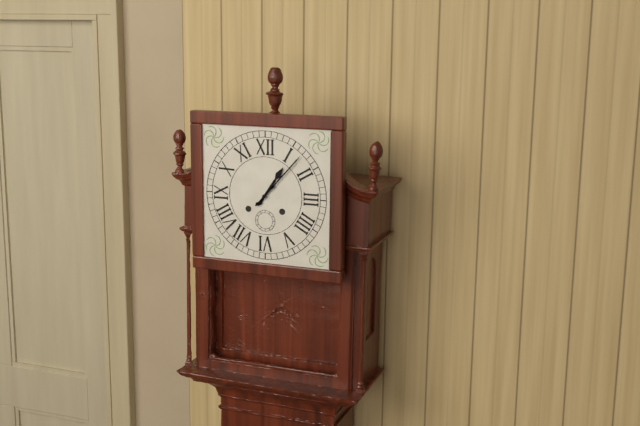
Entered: 1,07
